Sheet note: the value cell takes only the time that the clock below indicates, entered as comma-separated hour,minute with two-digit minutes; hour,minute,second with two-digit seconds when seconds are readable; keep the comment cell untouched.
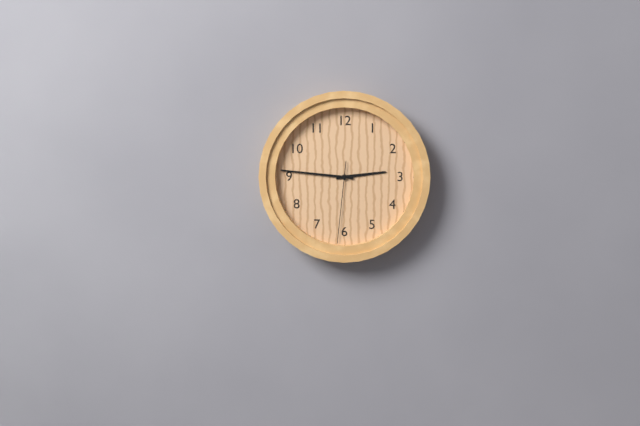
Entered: 2,46,31
